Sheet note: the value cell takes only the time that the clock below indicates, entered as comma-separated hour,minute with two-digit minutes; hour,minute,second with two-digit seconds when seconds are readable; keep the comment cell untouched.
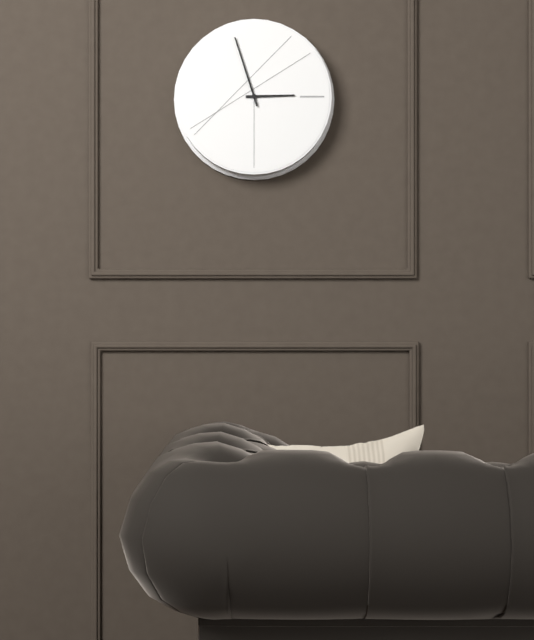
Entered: 2,57
